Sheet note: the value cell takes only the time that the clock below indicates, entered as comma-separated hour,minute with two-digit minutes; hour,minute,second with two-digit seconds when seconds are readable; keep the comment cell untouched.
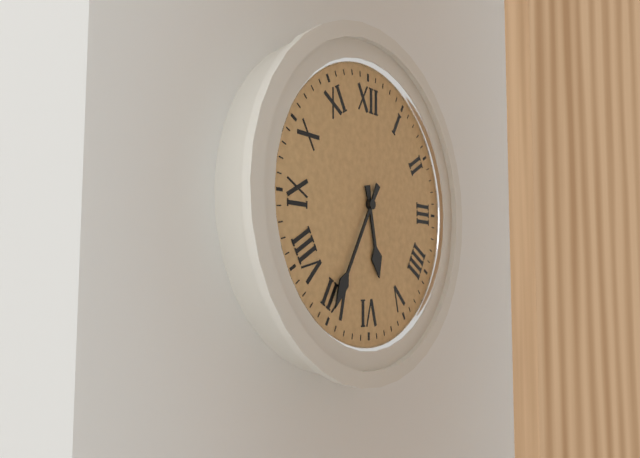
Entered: 5,35
